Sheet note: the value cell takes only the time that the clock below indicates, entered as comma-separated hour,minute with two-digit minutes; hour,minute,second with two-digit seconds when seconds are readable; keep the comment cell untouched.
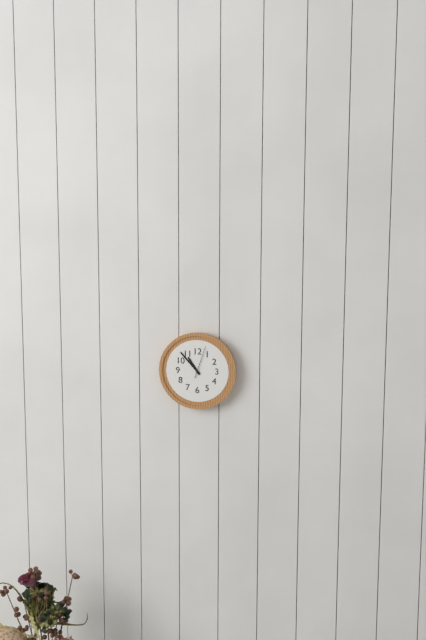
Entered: 10,53
